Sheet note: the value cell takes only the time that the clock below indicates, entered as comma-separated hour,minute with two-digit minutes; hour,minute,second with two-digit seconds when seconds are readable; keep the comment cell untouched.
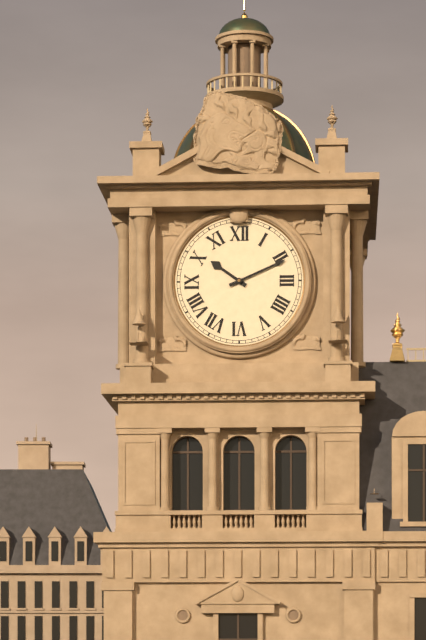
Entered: 10,11
